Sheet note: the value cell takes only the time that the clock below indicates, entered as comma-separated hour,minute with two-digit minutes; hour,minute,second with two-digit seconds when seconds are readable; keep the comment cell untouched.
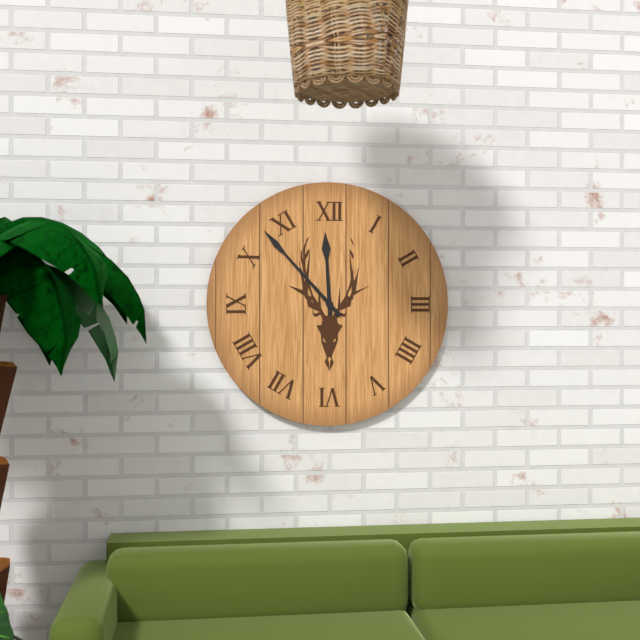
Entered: 11,53
